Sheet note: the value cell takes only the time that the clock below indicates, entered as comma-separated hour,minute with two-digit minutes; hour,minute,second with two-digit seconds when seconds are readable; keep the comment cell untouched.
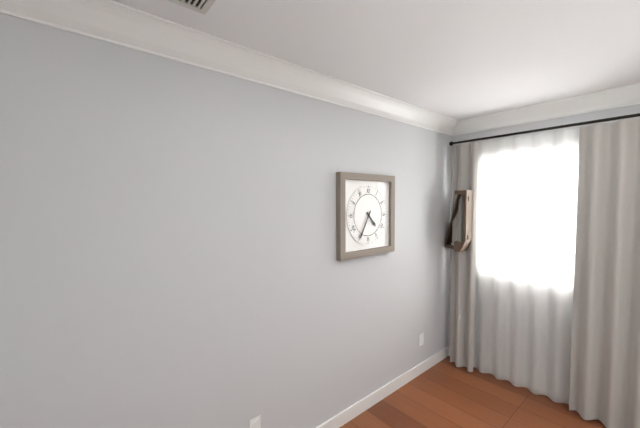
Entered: 4,35
